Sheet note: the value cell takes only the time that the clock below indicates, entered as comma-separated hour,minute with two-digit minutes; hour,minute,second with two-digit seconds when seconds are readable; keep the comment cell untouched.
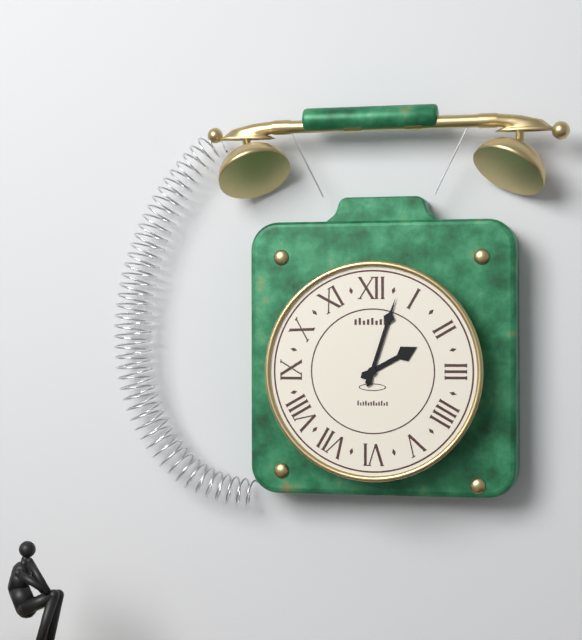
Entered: 2,03
